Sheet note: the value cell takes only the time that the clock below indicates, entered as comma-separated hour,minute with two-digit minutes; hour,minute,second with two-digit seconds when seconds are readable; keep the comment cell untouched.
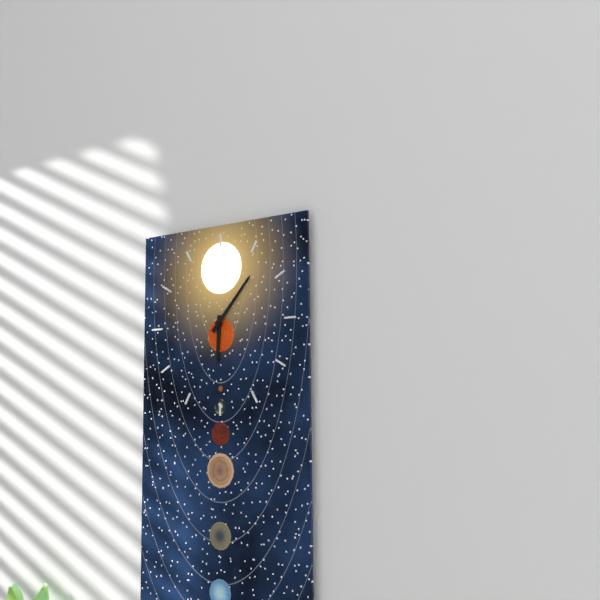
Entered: 6,07
